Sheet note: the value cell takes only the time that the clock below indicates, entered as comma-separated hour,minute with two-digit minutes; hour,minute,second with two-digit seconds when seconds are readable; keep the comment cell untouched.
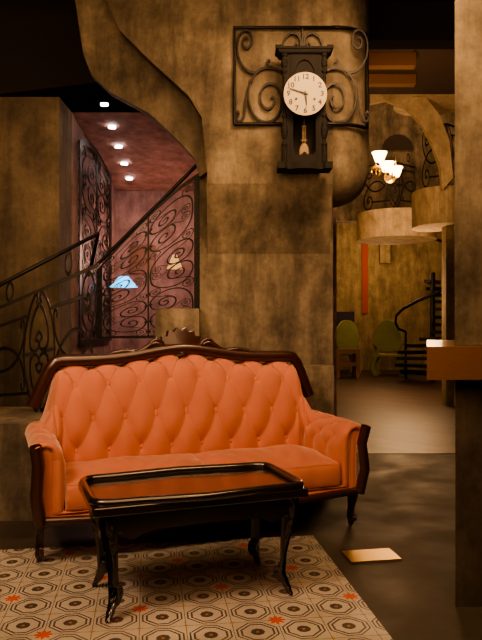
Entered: 5,48
